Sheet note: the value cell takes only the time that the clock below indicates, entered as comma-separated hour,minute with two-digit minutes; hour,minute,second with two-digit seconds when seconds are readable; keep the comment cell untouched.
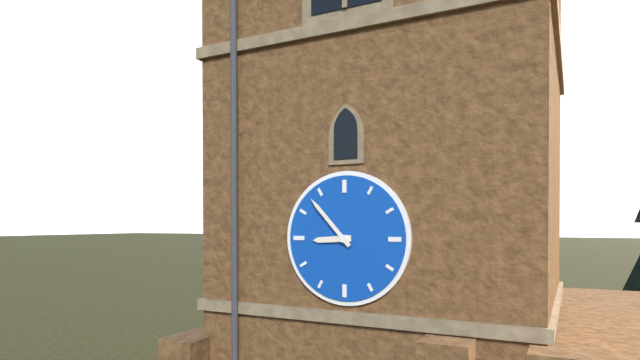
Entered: 8,53
